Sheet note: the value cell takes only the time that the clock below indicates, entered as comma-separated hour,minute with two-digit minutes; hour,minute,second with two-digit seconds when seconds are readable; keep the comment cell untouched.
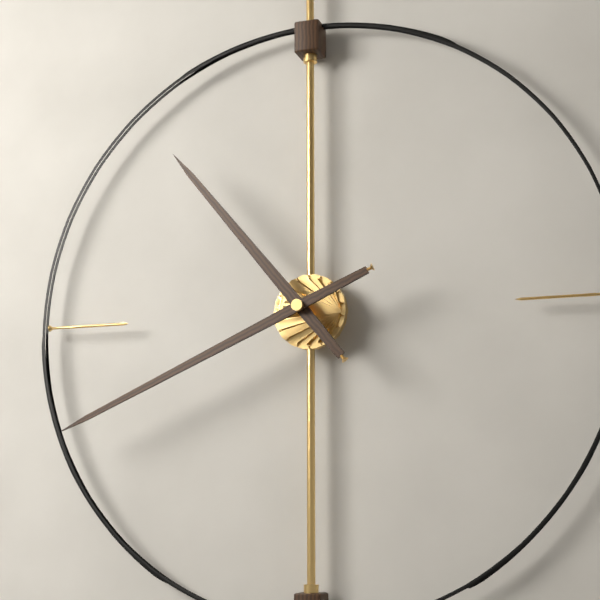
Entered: 10,41
